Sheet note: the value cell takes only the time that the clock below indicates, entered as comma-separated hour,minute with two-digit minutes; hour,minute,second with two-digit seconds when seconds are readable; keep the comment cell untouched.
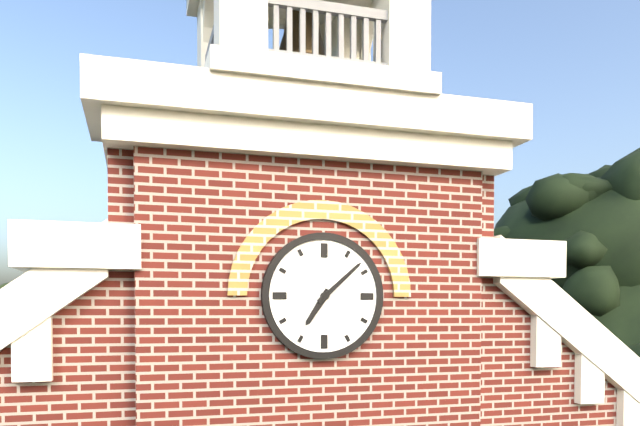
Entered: 7,08
